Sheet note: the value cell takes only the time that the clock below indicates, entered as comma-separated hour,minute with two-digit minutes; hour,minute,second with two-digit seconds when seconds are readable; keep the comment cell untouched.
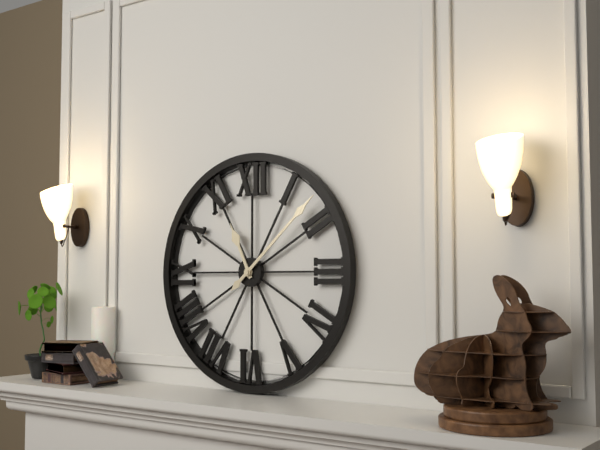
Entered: 11,08
